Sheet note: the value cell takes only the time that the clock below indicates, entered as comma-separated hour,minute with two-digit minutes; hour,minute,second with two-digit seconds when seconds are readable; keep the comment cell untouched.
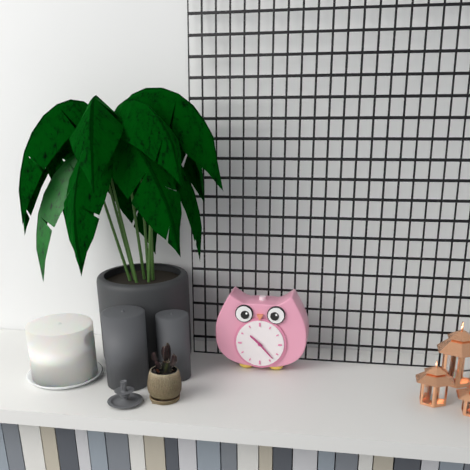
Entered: 10,23
